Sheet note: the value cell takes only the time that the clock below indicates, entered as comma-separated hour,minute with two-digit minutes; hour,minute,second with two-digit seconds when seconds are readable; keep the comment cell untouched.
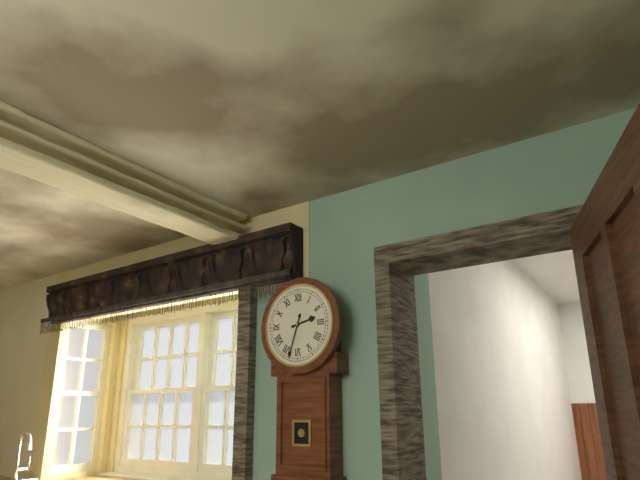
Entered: 2,33
